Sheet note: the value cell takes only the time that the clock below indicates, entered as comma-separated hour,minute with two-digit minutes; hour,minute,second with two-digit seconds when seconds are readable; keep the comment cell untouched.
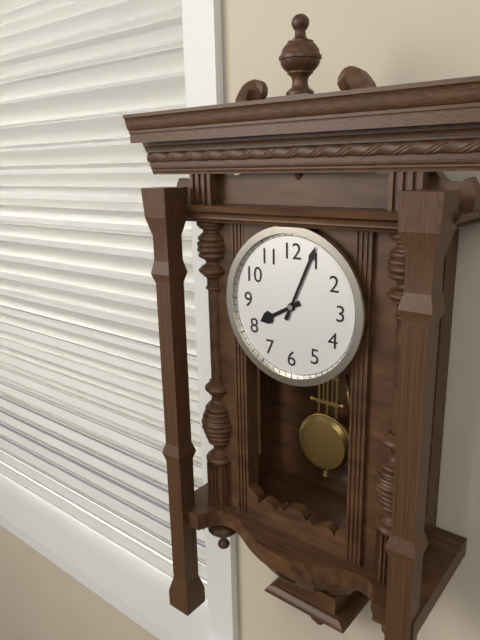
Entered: 8,04
